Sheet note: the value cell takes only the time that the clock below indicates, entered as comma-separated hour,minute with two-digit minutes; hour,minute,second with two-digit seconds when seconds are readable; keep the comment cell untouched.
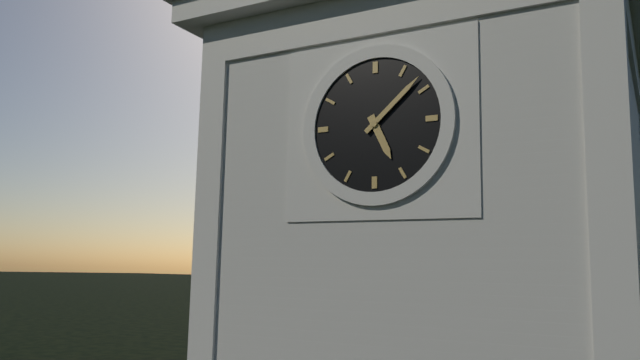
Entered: 5,08
